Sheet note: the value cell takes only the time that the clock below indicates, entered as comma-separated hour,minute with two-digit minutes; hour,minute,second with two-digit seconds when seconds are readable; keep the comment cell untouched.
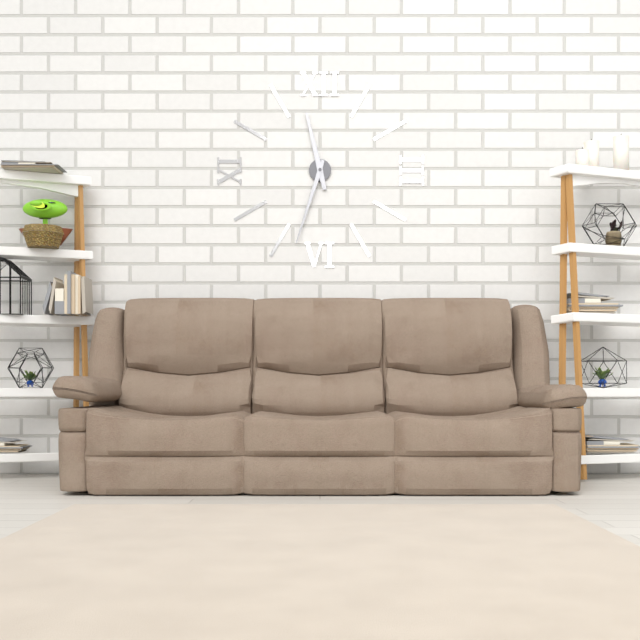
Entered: 11,33
